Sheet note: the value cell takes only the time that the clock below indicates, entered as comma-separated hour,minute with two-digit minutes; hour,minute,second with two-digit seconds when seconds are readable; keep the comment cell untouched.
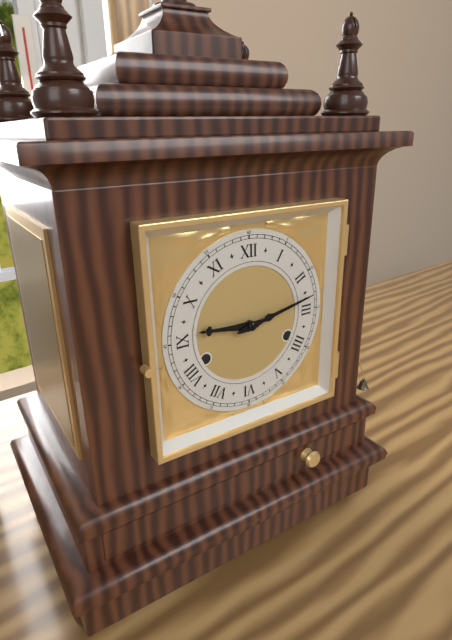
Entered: 9,13
